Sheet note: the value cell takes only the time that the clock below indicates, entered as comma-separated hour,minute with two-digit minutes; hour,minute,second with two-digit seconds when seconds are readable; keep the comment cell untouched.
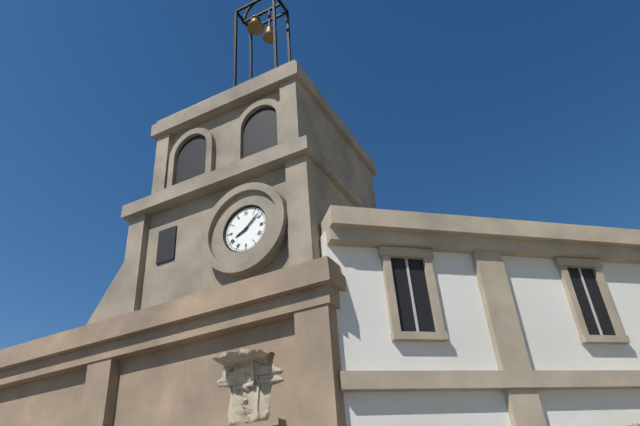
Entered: 8,08
